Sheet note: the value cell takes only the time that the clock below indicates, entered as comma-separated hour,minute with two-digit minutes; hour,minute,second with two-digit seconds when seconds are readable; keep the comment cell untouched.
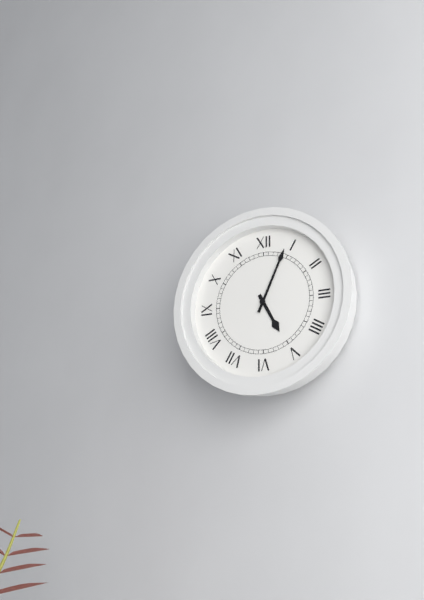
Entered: 5,04
